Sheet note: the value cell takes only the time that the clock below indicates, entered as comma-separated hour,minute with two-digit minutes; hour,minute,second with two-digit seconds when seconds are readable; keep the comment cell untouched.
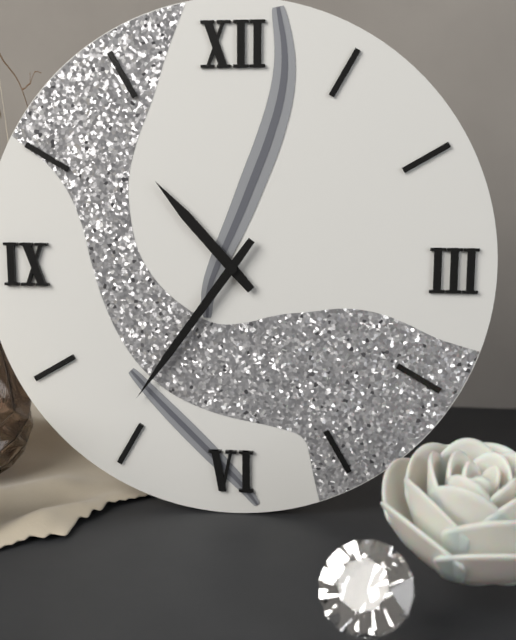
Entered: 10,36
